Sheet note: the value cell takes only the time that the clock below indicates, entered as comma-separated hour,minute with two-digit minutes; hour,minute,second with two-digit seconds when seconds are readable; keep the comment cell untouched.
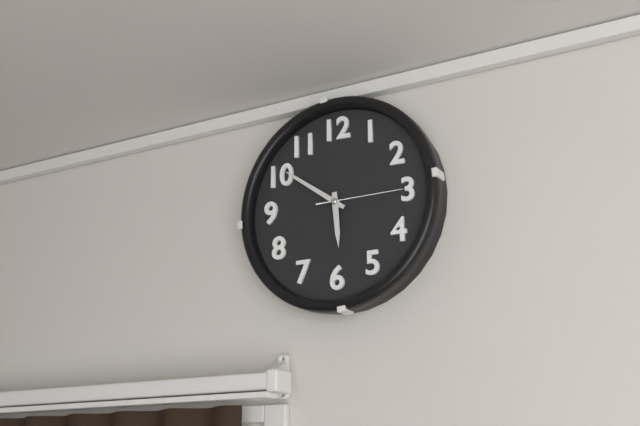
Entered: 5,51,15
